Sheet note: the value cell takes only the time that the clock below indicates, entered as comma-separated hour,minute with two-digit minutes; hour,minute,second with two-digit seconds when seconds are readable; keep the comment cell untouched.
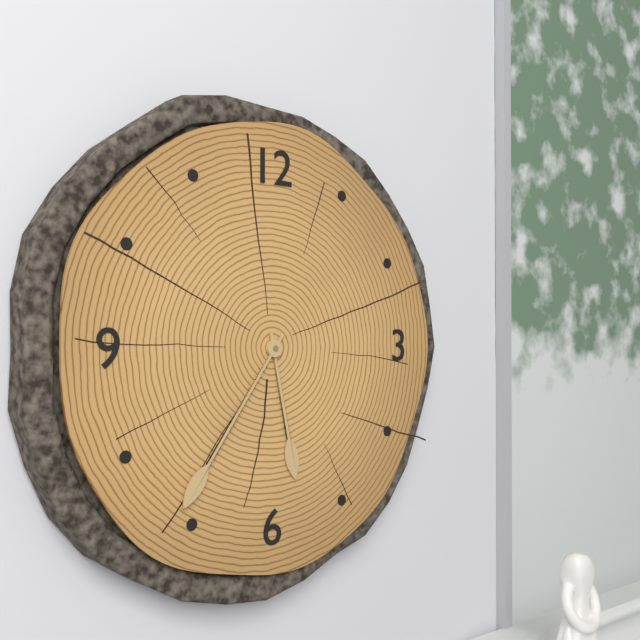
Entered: 5,36
